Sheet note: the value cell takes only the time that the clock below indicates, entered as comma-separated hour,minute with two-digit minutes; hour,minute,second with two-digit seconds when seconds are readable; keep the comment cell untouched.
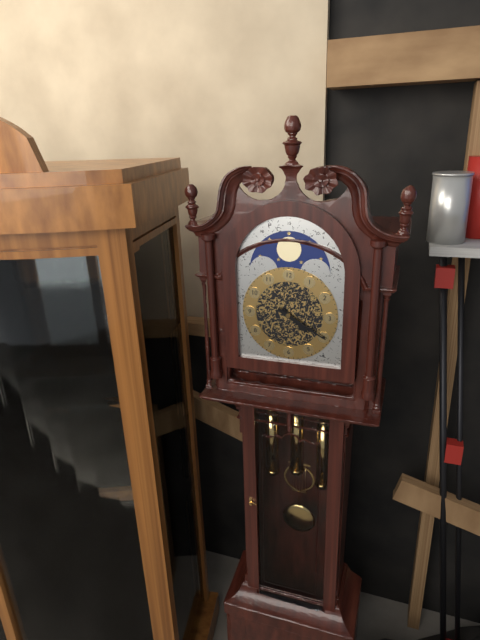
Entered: 4,20
